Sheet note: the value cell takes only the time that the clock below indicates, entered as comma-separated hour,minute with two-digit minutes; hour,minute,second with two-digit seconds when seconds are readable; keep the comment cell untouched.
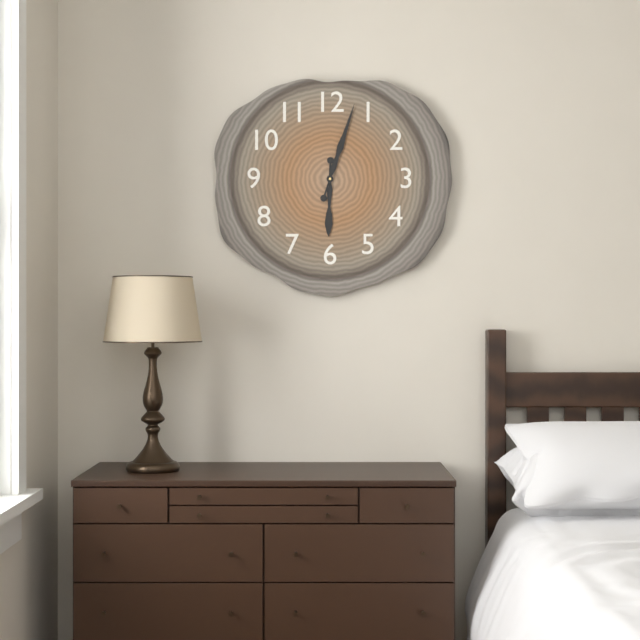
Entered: 6,03
